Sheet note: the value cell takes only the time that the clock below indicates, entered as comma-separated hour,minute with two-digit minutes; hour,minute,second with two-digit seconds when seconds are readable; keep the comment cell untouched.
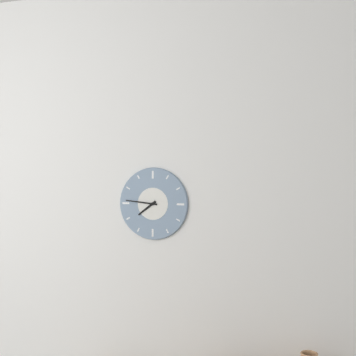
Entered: 7,46
